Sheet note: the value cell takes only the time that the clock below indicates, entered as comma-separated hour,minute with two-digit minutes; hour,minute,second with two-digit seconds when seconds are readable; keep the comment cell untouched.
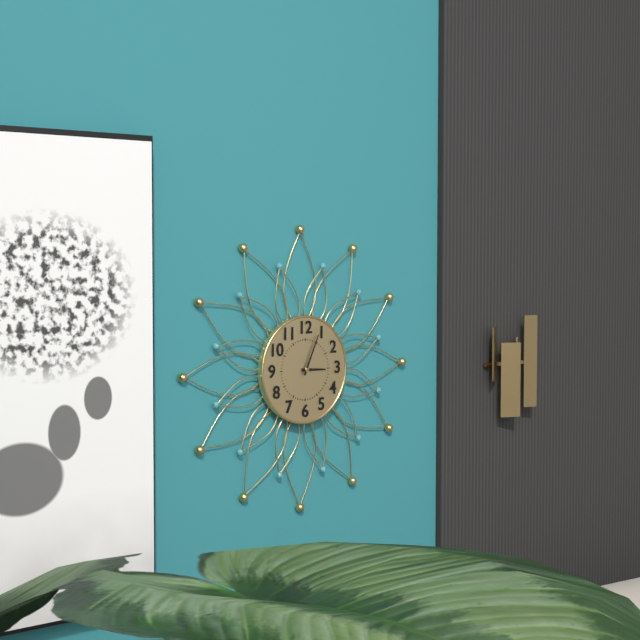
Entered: 3,04
